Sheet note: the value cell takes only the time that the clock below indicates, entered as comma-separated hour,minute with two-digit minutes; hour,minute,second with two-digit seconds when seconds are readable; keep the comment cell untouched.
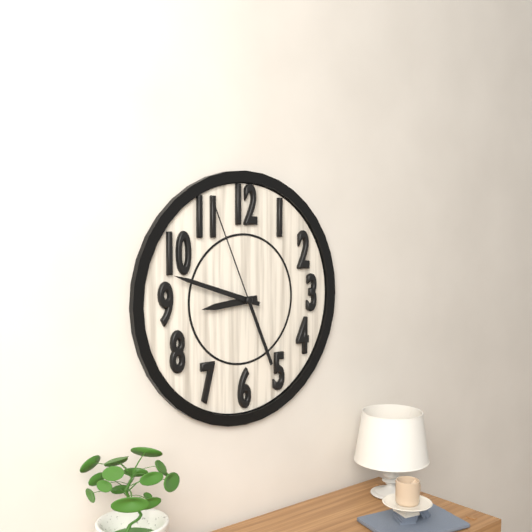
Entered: 8,48,56
